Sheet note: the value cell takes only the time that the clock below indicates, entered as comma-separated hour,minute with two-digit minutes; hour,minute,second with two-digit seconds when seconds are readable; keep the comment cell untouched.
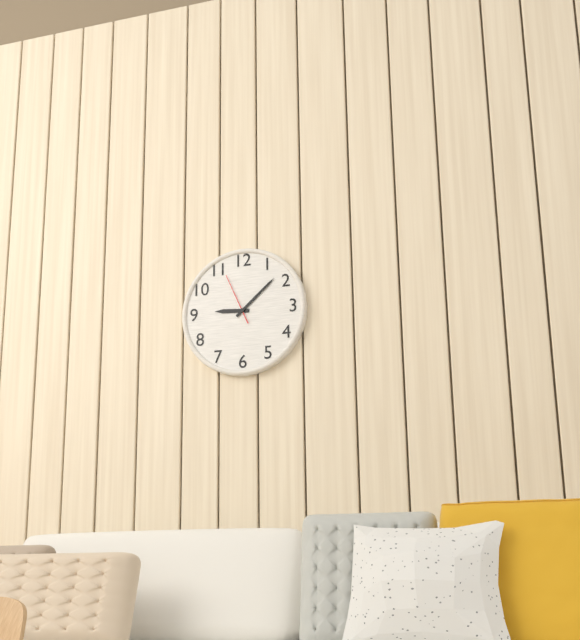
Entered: 9,08
